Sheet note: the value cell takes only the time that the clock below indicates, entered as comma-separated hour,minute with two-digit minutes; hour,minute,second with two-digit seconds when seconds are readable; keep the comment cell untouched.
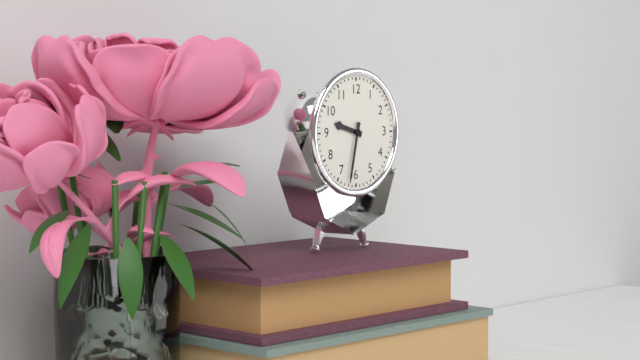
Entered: 9,32
